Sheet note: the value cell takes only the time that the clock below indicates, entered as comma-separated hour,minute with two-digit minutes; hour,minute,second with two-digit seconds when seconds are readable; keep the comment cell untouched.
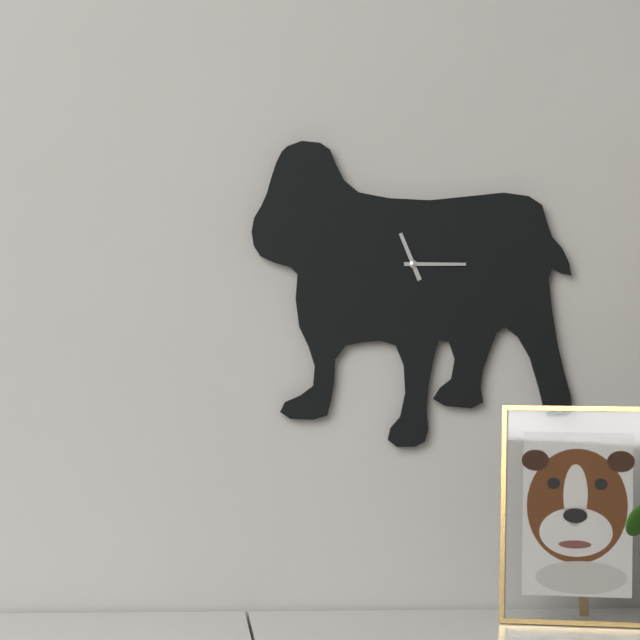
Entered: 11,15
